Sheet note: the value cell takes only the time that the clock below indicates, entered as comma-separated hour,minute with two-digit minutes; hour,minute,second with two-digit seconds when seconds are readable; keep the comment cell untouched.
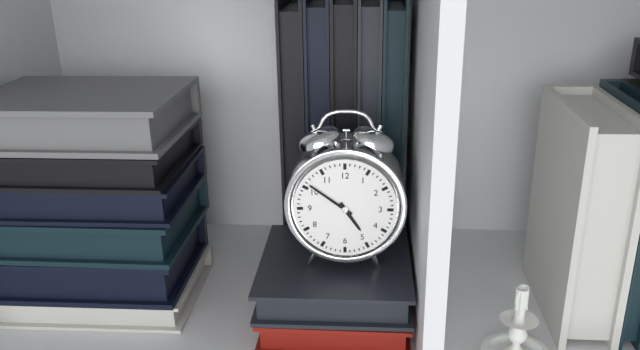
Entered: 4,51
